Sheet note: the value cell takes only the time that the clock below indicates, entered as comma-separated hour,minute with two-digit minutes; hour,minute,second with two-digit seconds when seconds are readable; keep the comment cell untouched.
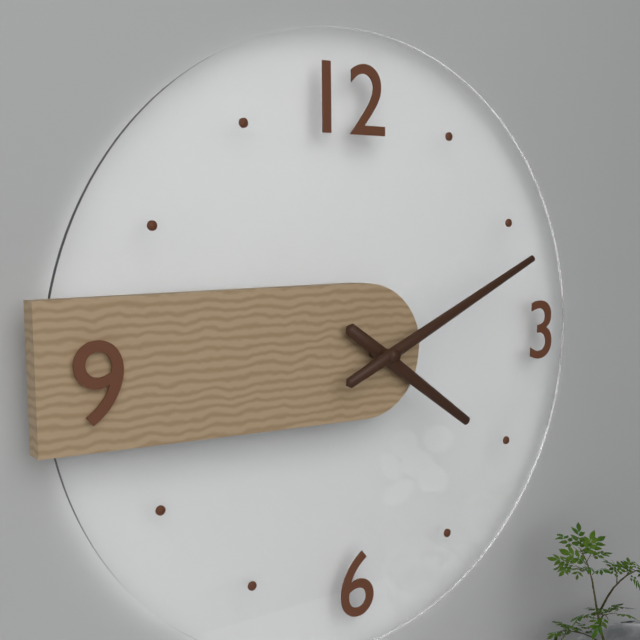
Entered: 4,11
